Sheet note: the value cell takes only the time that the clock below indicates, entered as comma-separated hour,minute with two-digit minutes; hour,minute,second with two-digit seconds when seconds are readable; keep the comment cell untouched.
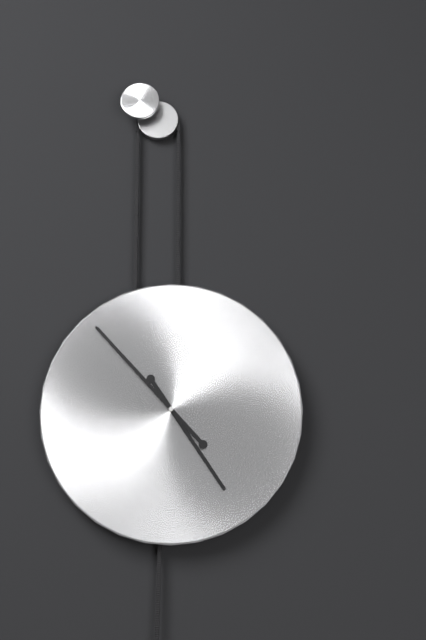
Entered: 4,53
